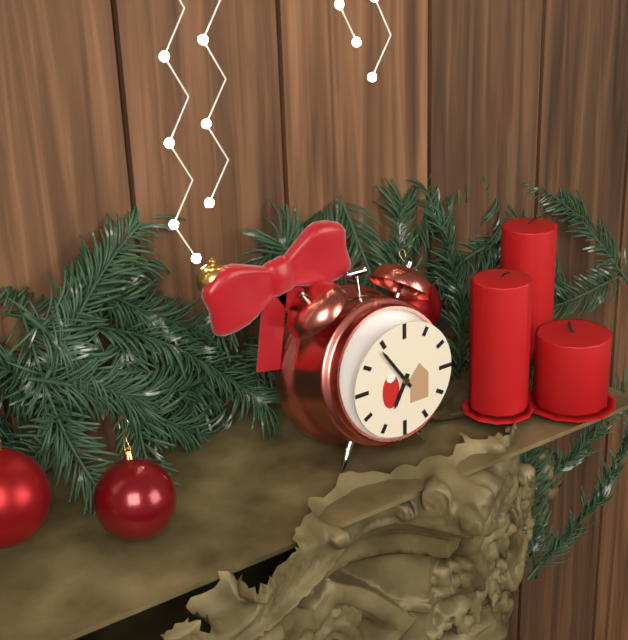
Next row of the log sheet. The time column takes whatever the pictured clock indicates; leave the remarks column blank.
6:54
